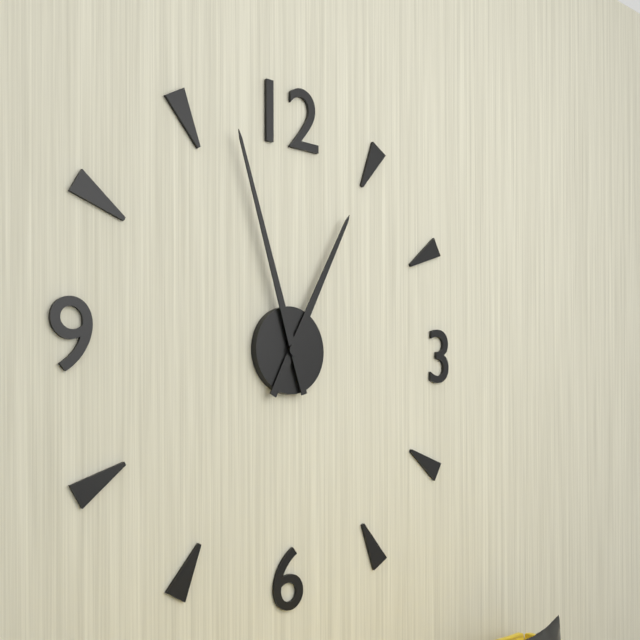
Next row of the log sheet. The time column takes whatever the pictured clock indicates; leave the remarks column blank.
12:57
